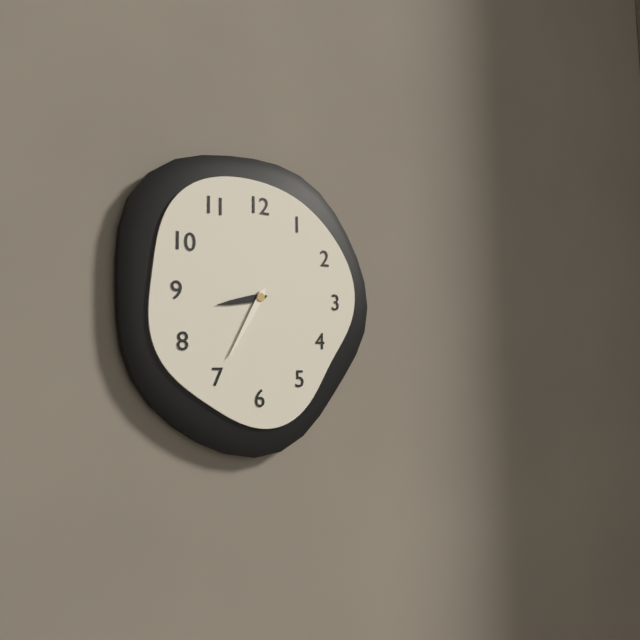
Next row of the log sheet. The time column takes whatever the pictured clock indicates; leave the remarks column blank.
8:35
